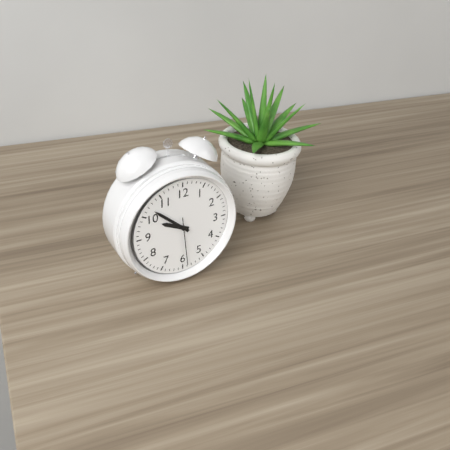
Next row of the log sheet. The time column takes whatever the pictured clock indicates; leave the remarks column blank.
9:52
